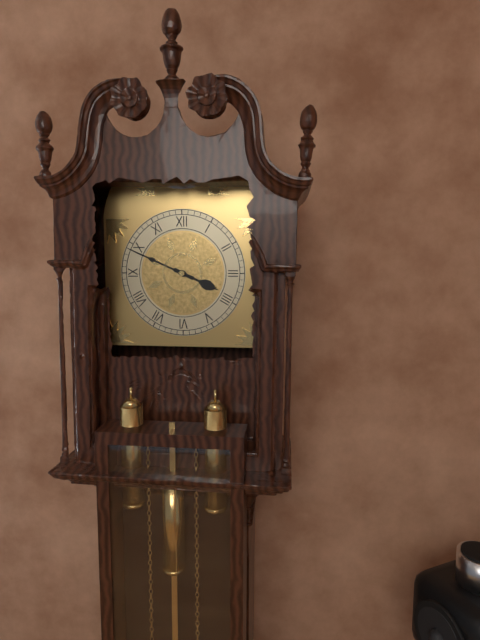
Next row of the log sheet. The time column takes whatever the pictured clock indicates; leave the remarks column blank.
3:49
